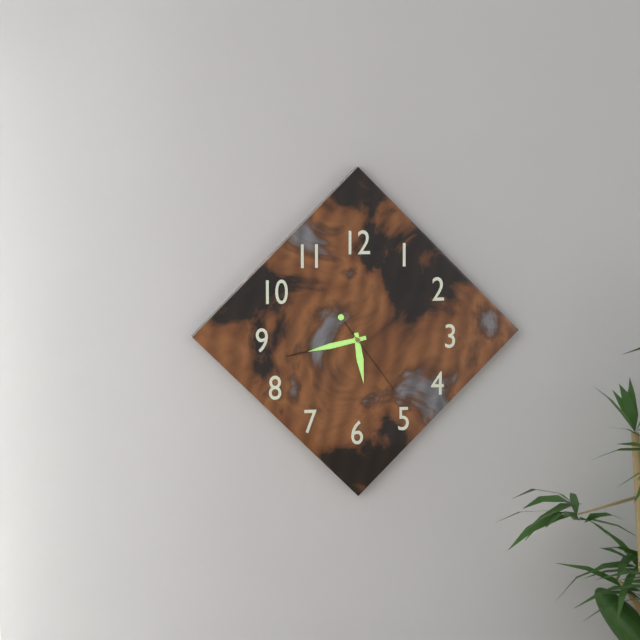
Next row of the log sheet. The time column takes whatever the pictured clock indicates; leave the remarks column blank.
5:43:24
